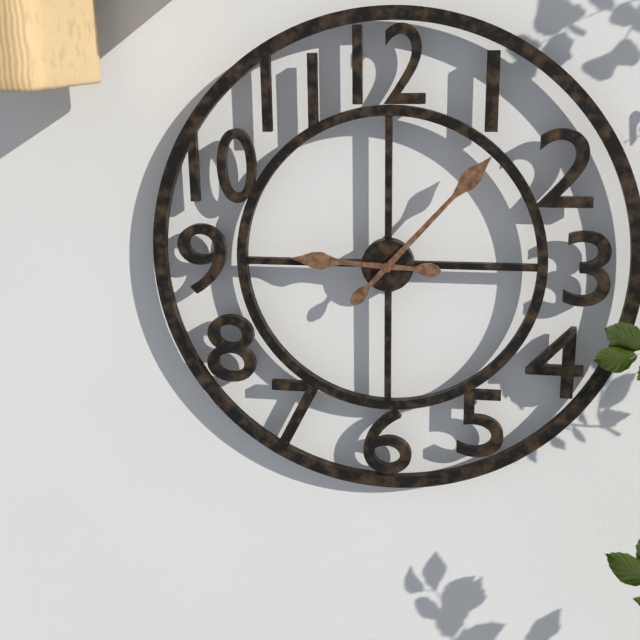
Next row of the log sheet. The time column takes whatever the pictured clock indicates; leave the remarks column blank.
9:07
